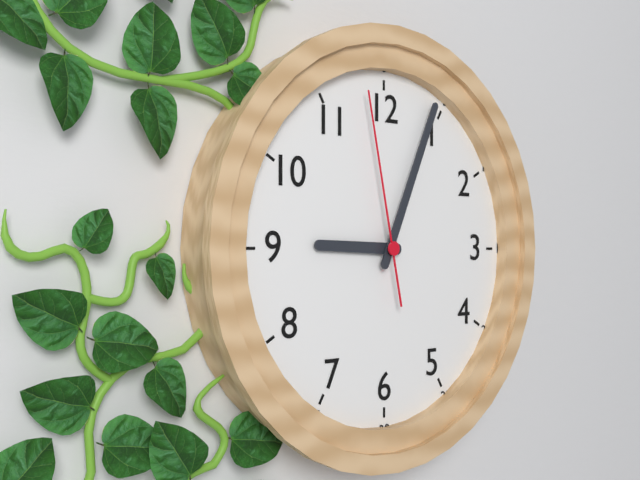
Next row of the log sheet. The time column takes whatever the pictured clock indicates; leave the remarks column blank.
9:04:58
